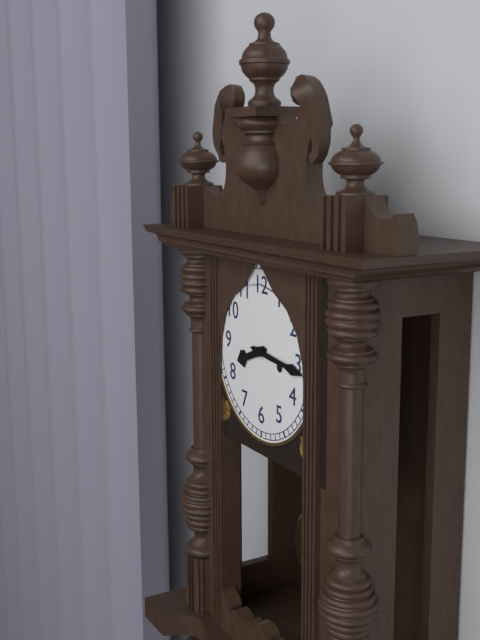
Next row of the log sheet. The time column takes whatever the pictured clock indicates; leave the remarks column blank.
8:16
